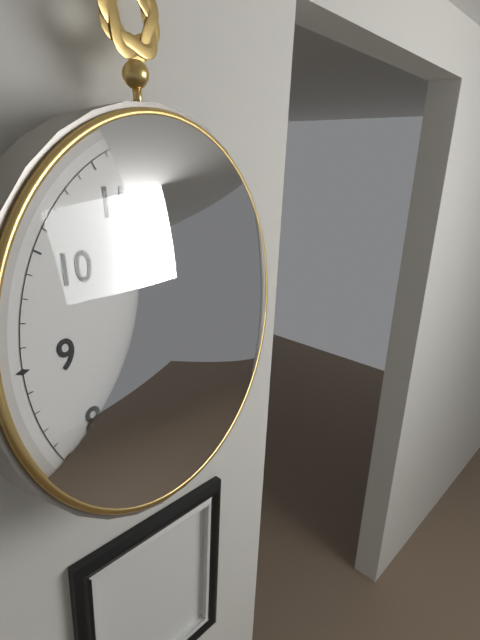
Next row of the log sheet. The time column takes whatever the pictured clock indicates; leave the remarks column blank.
2:31
